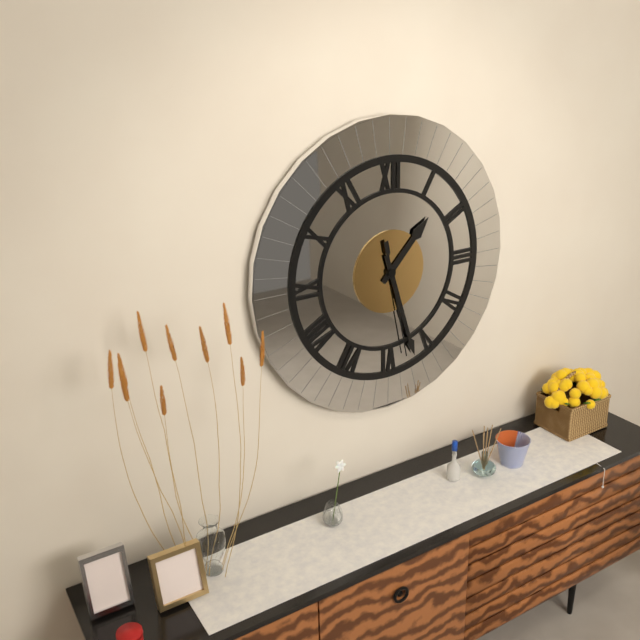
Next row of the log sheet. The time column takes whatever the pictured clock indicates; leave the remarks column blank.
1:27:28
